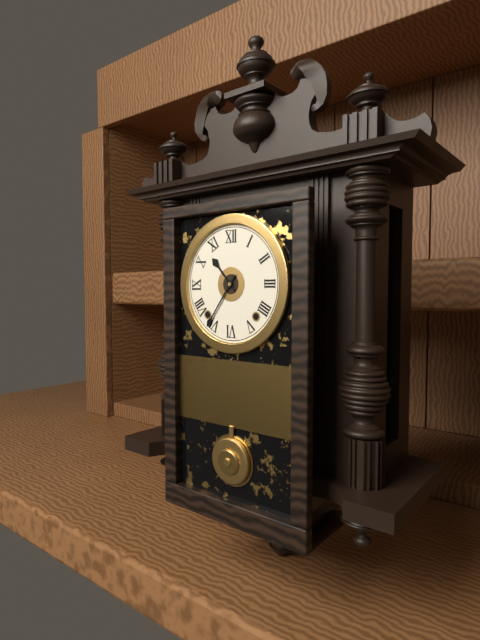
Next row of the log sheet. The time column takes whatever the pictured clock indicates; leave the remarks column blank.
10:36
